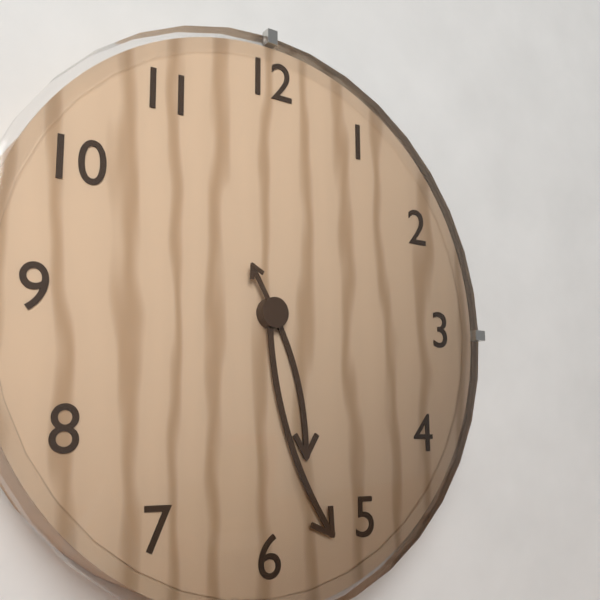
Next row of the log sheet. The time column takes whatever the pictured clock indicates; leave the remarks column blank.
5:27:55
